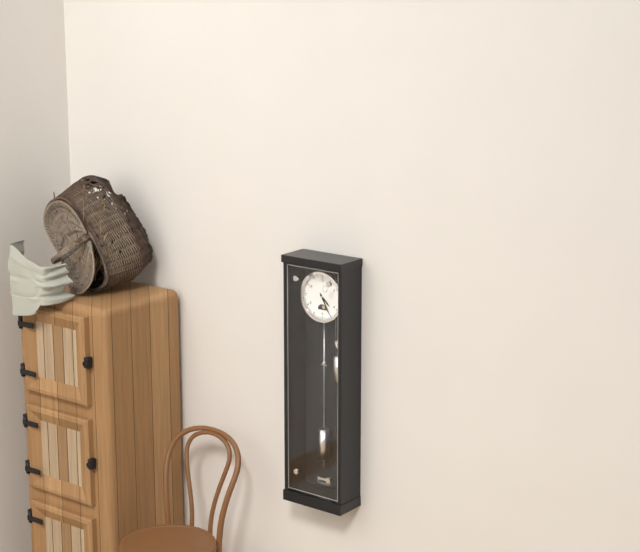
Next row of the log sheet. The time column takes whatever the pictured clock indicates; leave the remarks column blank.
4:25
